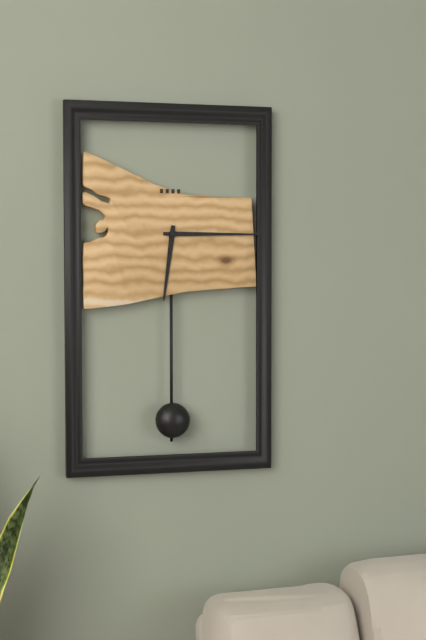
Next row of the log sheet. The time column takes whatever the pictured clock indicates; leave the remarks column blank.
6:15
